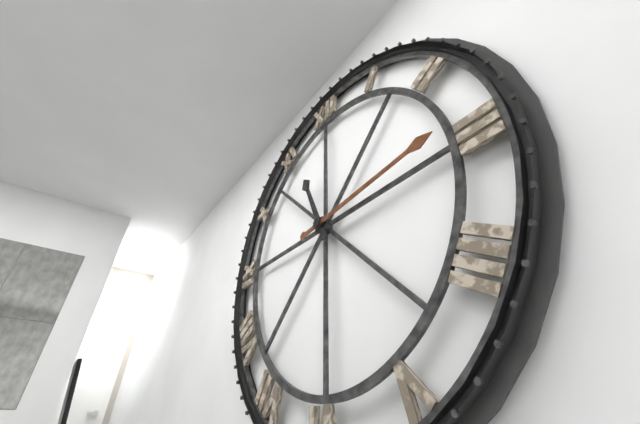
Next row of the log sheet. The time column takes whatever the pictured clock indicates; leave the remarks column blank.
11:14
